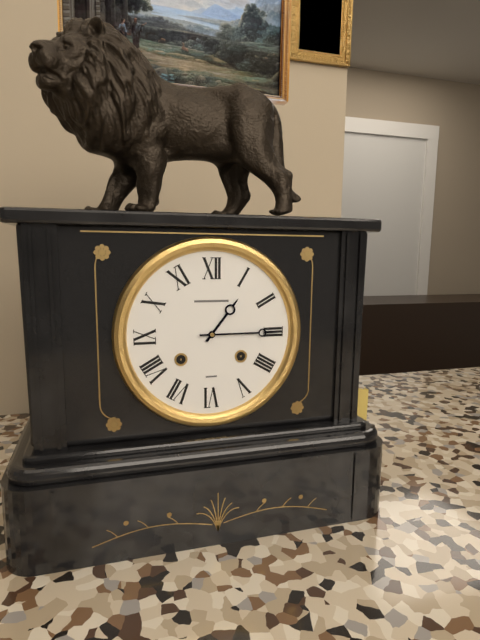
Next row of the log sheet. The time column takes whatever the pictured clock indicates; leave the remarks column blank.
1:15
